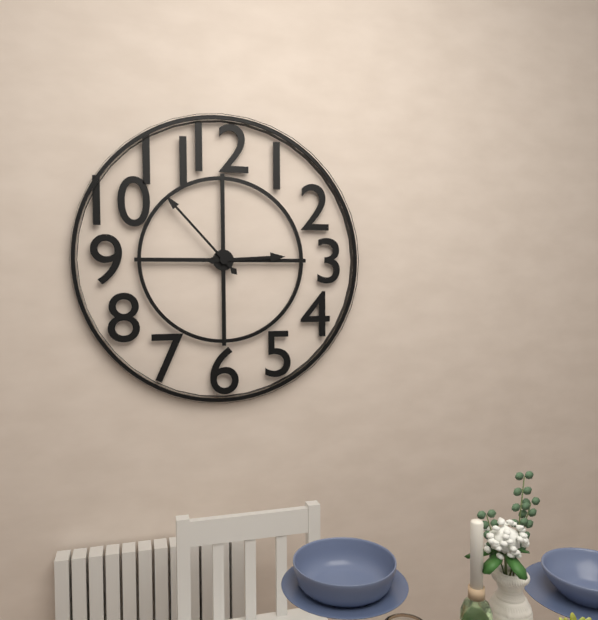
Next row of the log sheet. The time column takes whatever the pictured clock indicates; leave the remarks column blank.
2:53
